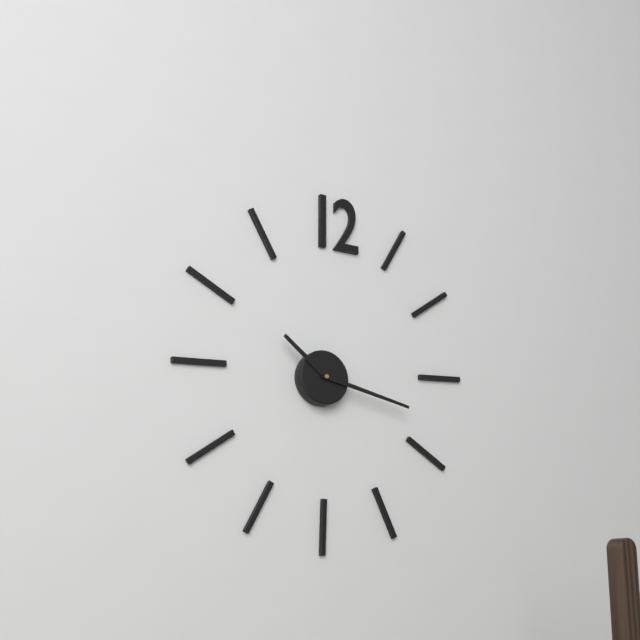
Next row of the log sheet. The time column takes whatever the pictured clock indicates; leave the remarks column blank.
10:17
